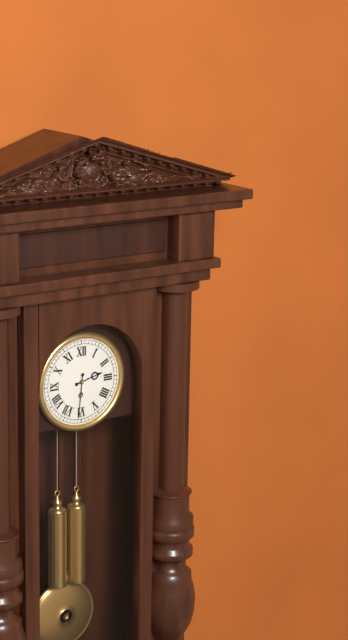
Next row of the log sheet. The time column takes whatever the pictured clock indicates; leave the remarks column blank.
2:31
